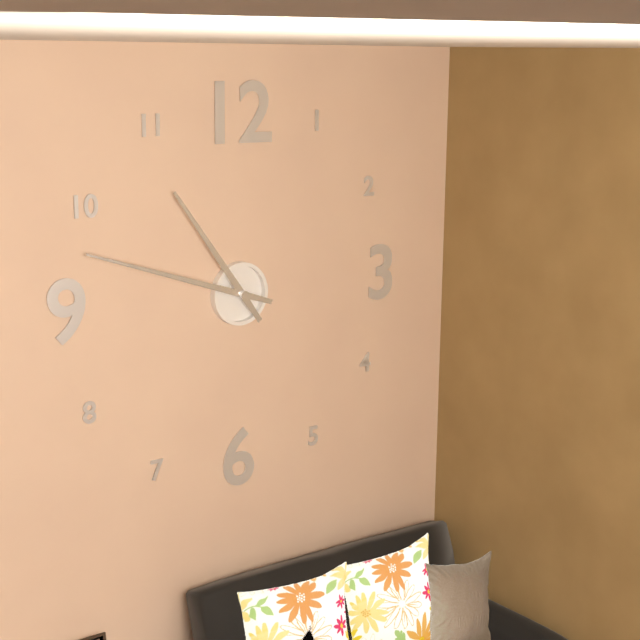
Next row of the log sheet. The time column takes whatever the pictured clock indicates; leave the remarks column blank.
10:48
